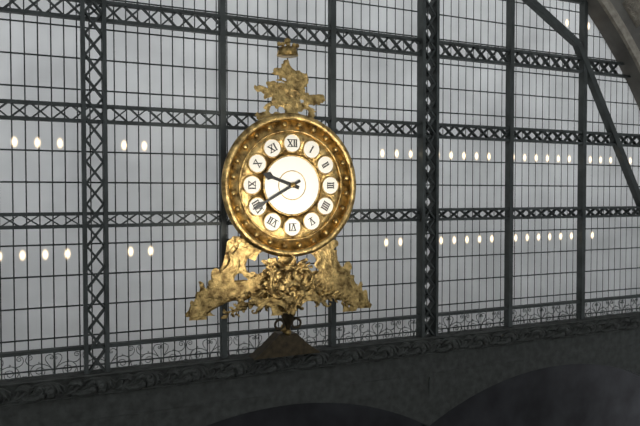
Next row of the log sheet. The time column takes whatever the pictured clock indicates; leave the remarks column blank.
9:40
